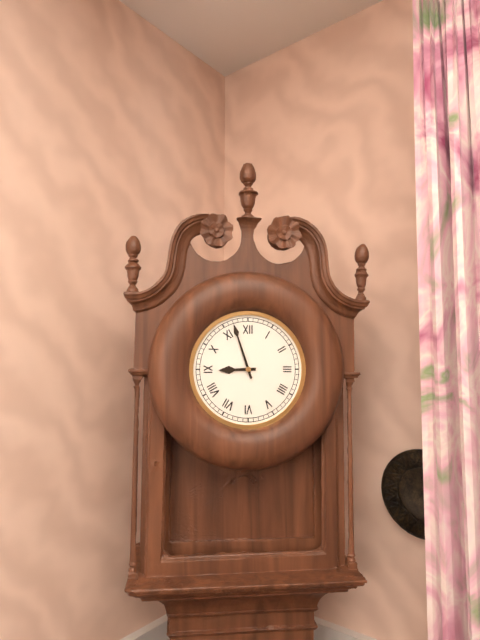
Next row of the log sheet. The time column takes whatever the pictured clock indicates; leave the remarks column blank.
8:57
